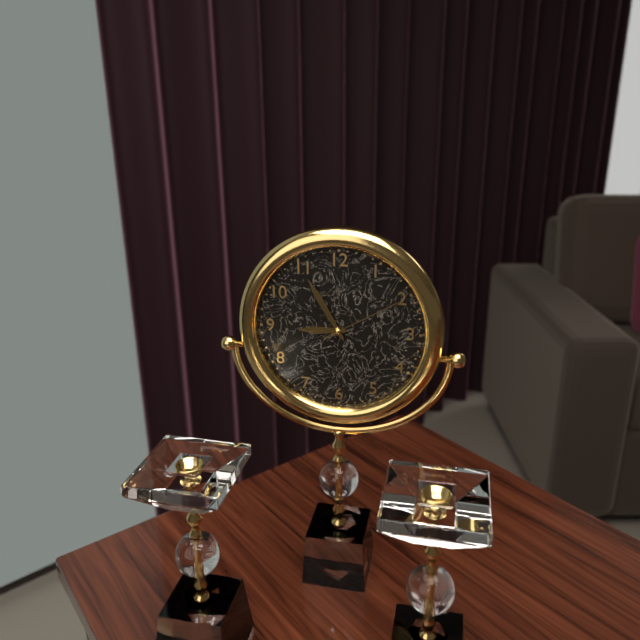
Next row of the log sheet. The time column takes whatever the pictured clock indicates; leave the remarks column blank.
8:55:10
